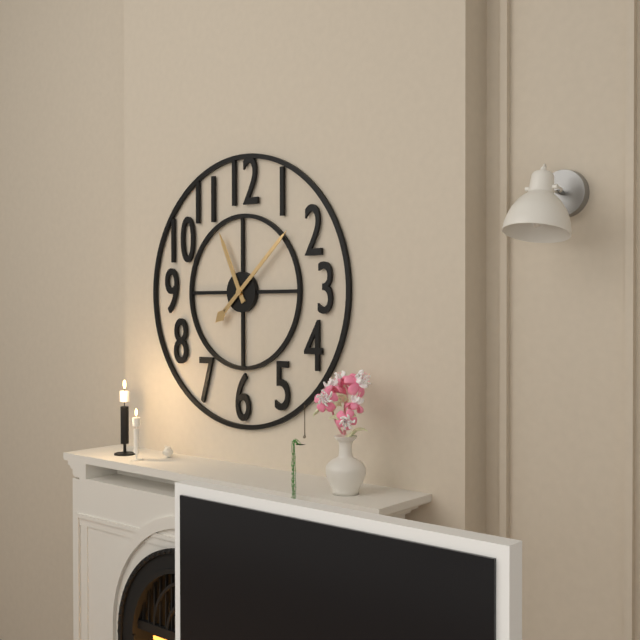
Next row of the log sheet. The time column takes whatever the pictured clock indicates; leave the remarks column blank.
11:08
